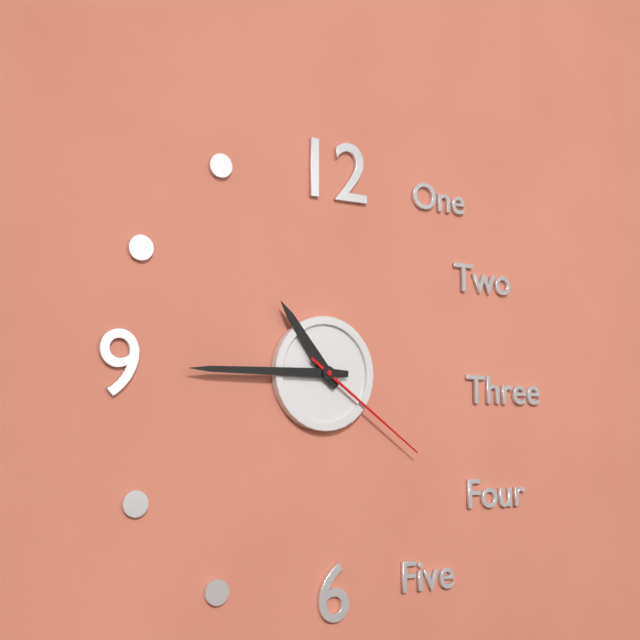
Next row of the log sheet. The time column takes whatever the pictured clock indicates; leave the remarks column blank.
10:45:21
